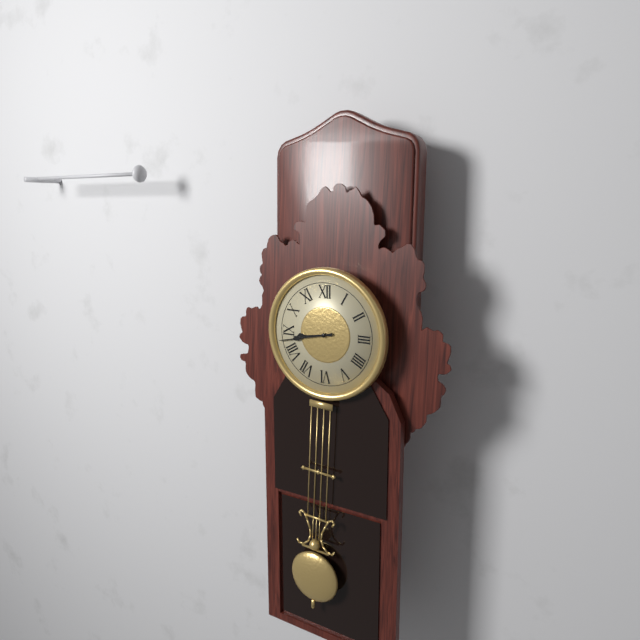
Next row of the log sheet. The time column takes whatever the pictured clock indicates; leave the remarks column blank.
8:43
